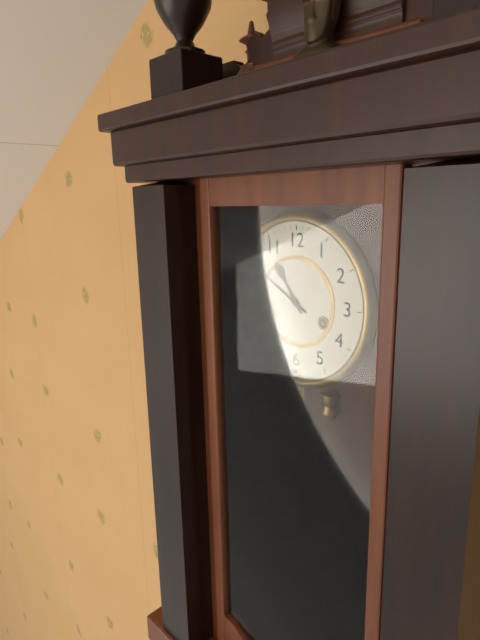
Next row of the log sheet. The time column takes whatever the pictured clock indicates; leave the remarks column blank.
10:50
